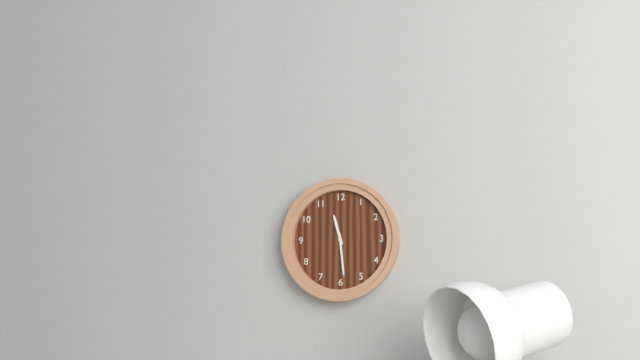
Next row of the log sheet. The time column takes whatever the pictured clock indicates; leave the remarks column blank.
11:29
